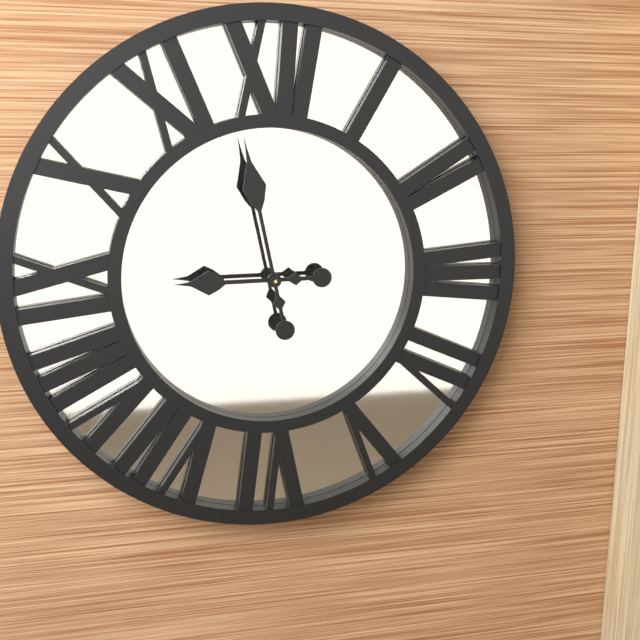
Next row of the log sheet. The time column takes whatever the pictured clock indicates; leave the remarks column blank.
8:58
